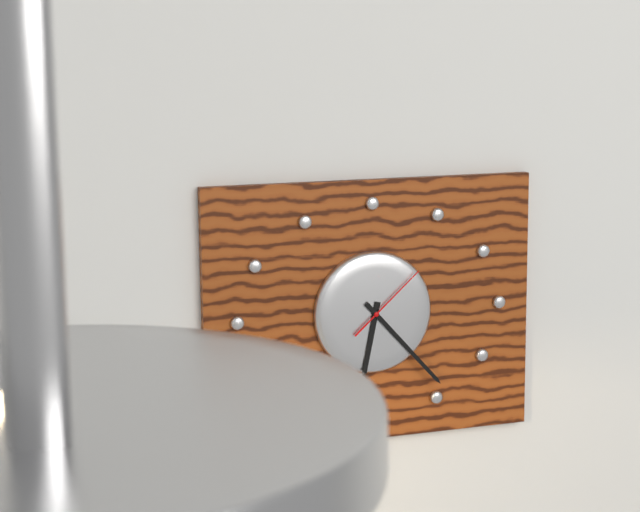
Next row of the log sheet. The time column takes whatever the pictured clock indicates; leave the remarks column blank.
6:23:08
